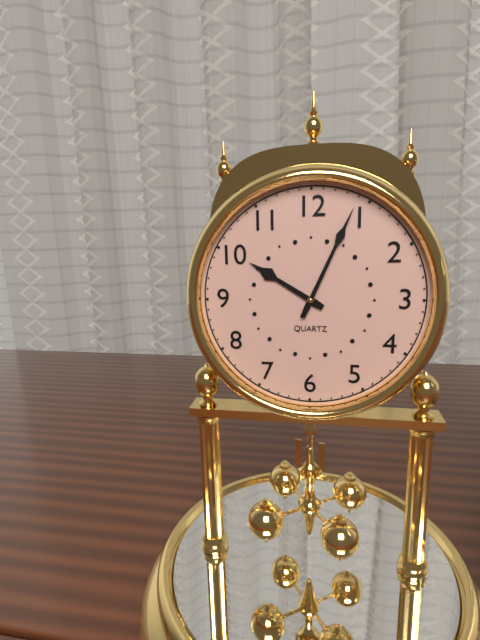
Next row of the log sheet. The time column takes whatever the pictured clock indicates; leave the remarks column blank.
10:04
